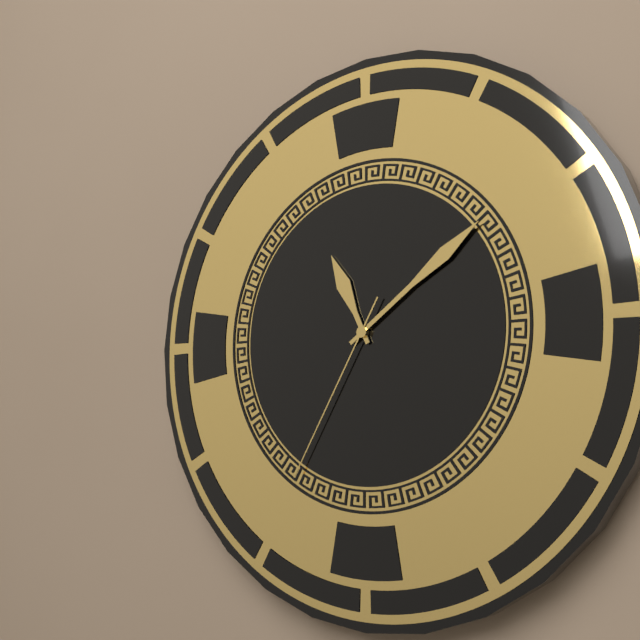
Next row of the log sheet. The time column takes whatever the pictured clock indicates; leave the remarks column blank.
11:09:35
